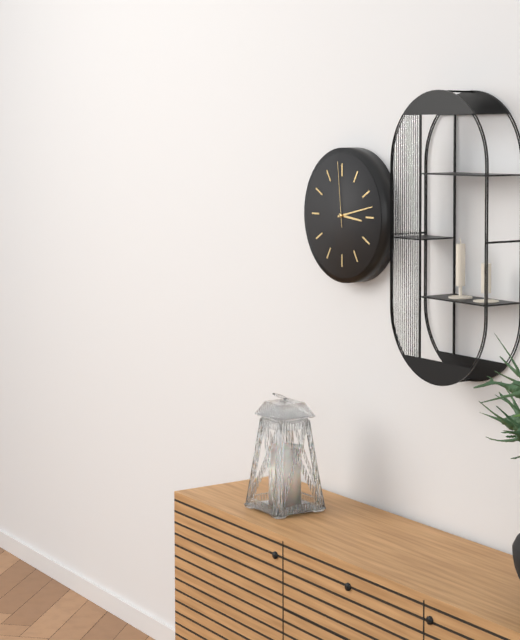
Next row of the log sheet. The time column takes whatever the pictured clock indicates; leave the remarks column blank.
3:13:59
